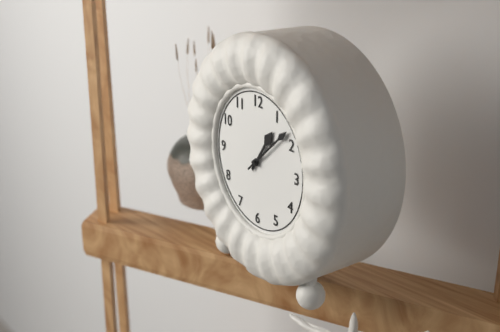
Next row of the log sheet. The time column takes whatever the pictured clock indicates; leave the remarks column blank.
1:08
